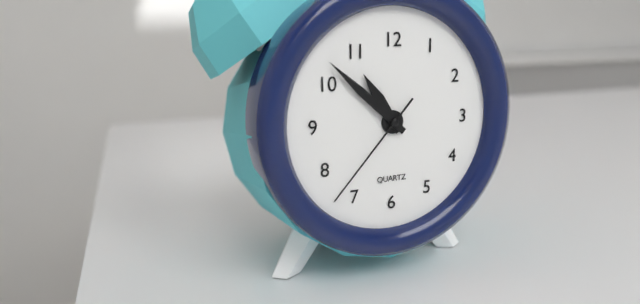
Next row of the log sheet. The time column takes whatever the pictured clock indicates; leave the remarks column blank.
10:52:37
